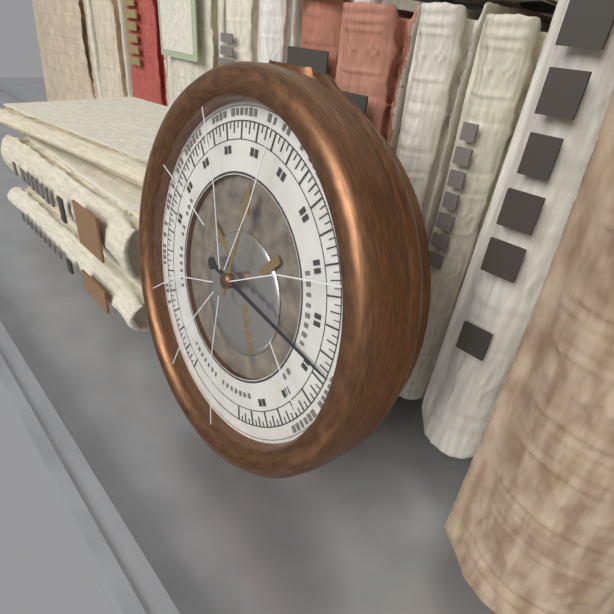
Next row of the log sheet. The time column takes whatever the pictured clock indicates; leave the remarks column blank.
12:16
